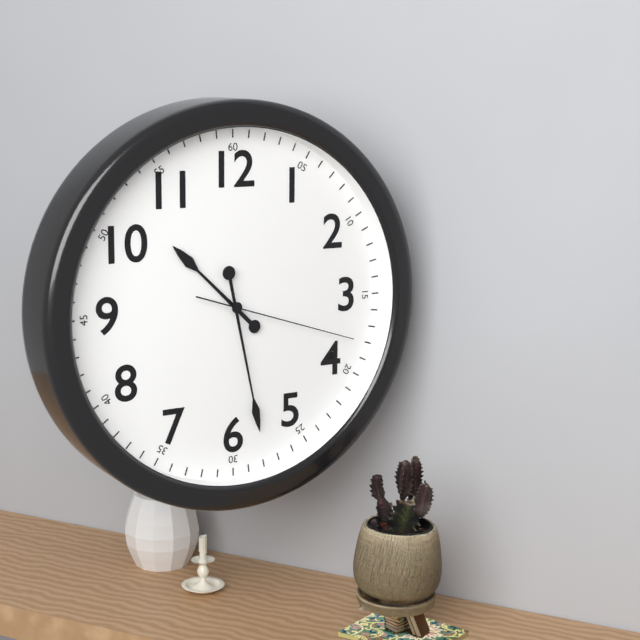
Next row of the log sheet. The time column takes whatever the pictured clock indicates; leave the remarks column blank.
10:28:18
